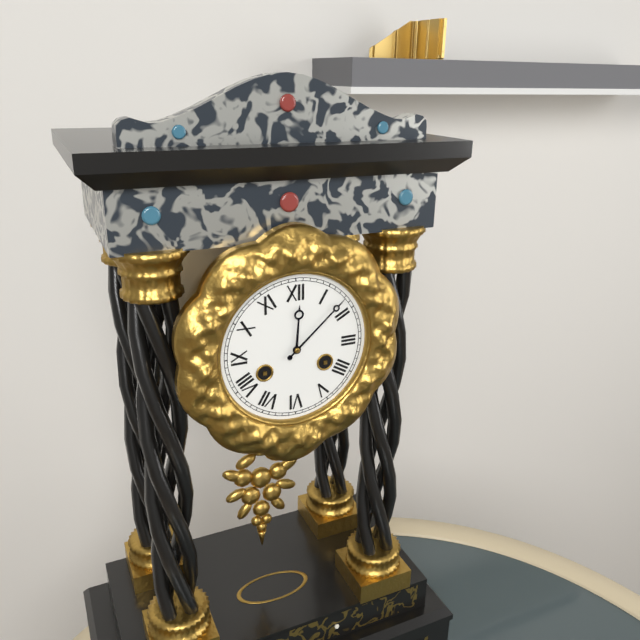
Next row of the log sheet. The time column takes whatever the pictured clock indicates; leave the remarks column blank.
12:08
